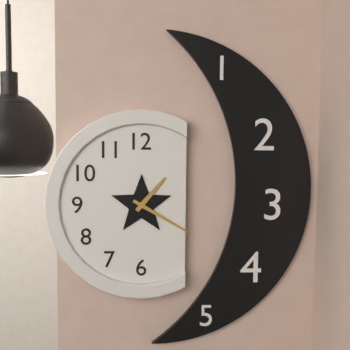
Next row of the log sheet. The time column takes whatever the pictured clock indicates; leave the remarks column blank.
1:20
